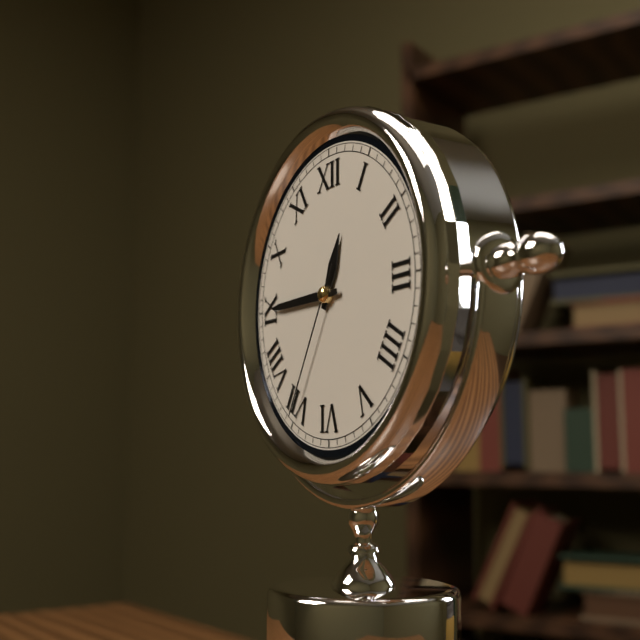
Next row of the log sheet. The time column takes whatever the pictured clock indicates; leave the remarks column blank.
12:45:35
